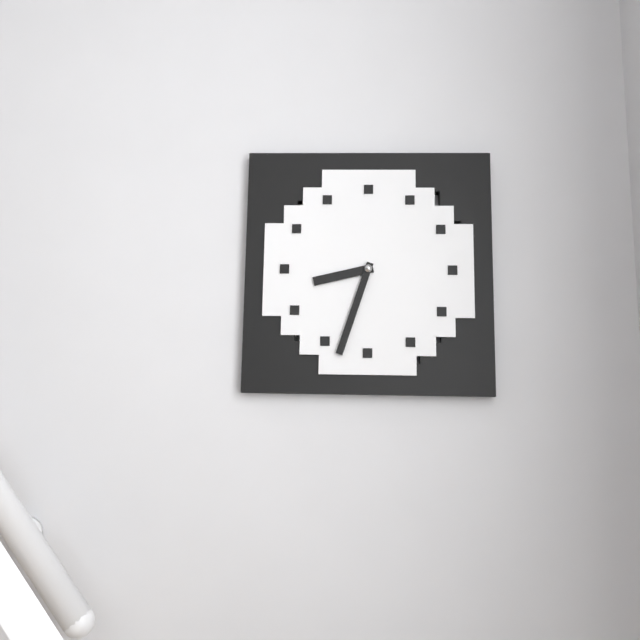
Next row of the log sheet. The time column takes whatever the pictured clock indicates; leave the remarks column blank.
8:33
